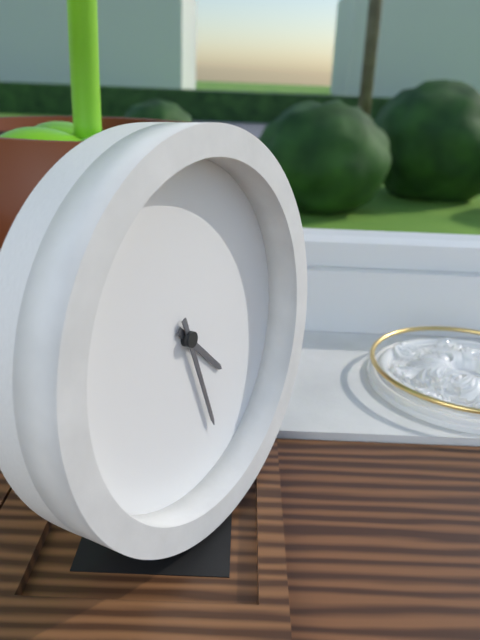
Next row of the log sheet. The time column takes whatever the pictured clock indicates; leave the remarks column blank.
4:27
